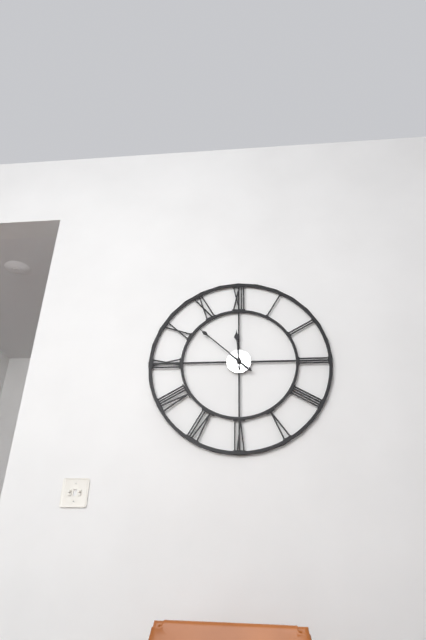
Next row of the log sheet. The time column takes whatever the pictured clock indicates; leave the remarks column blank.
11:52
